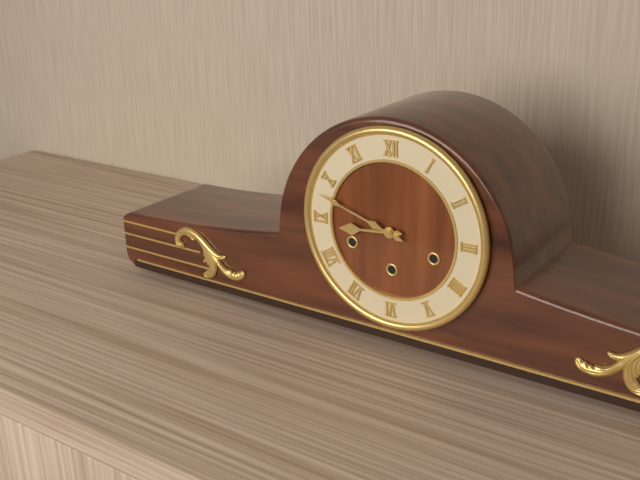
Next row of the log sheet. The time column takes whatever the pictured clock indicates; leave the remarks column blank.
8:48
